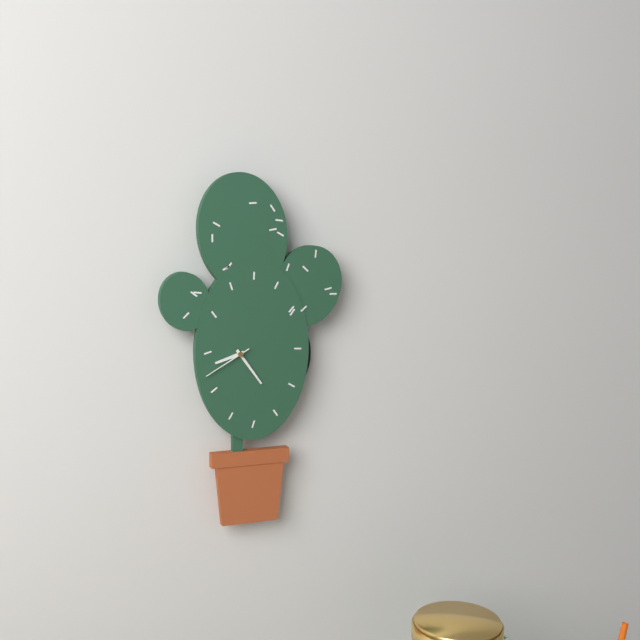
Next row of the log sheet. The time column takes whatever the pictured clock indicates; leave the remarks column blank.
8:24:40
